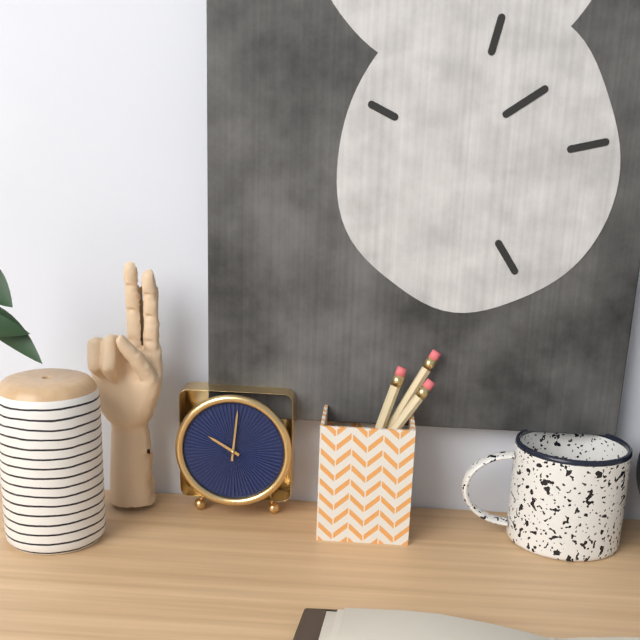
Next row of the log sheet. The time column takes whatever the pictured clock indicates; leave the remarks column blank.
10:01
